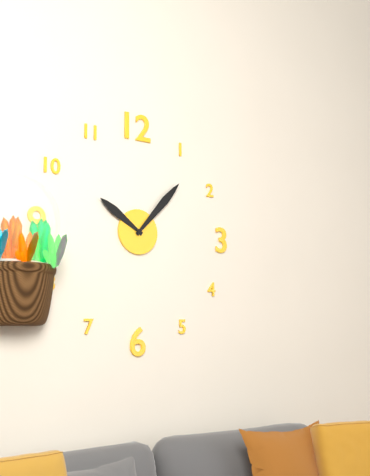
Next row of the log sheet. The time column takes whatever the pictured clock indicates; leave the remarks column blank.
10:07
